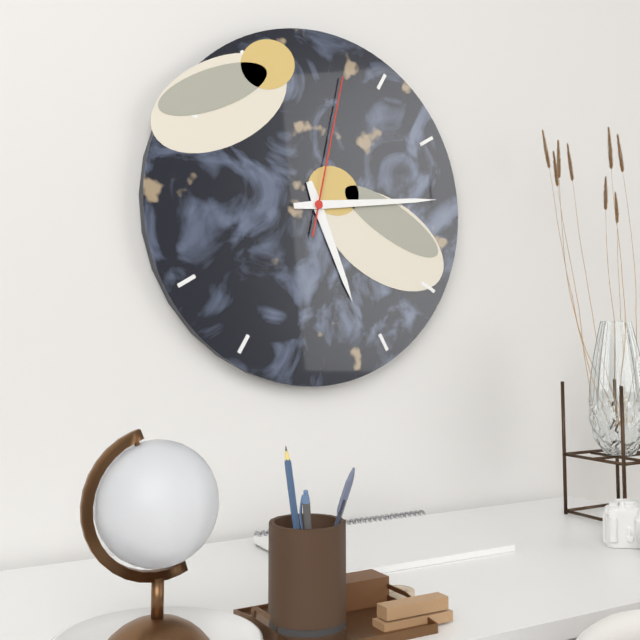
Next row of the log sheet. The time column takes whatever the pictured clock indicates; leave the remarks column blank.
5:14:02
